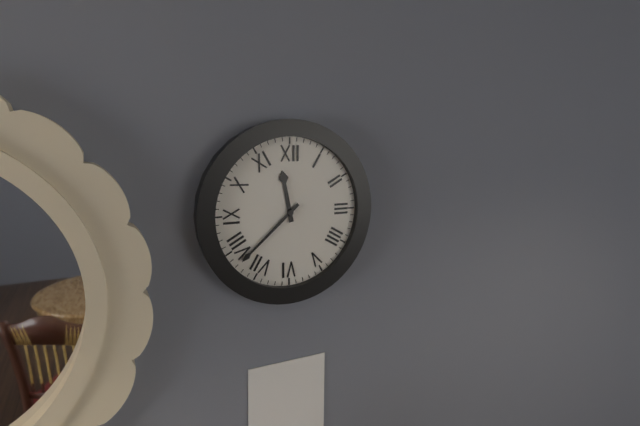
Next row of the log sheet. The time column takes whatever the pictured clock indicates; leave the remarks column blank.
11:38
